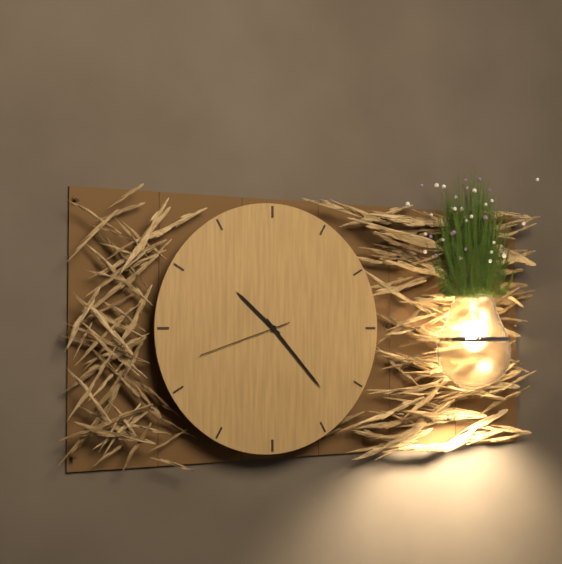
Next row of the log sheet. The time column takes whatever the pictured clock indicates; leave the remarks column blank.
10:23:42
